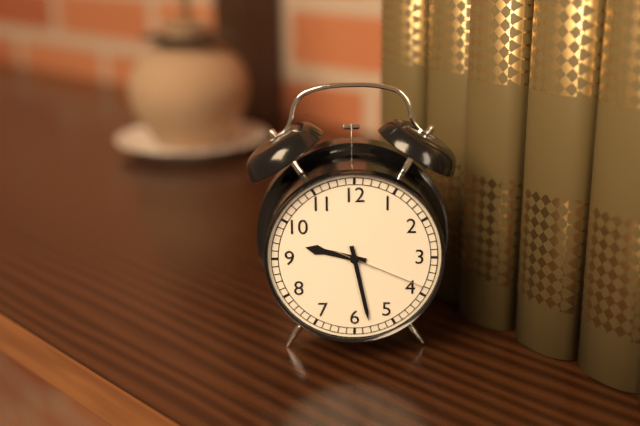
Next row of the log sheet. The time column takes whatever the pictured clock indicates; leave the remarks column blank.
9:28:19
